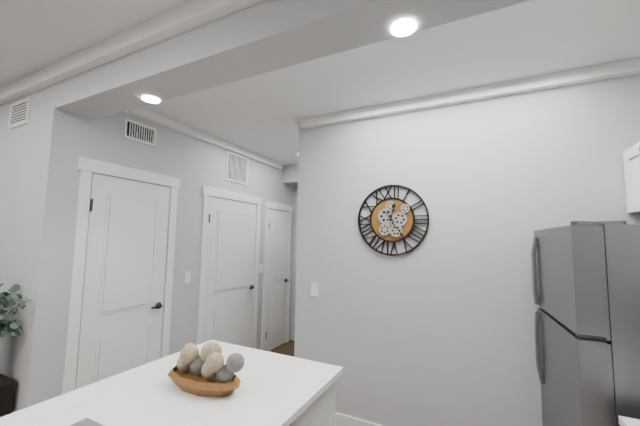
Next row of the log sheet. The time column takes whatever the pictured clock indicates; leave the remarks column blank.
12:24
